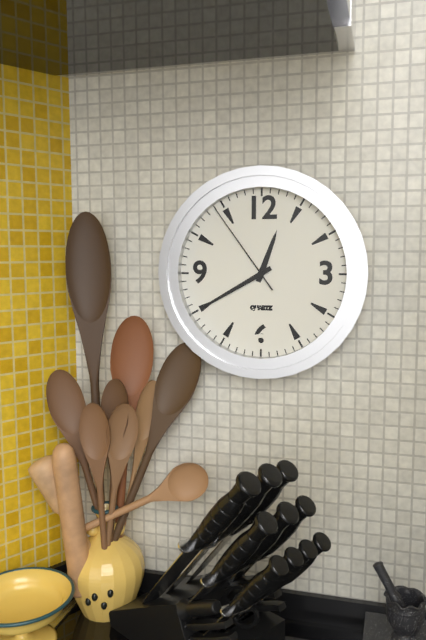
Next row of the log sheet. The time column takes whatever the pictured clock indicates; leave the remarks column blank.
12:40:54
